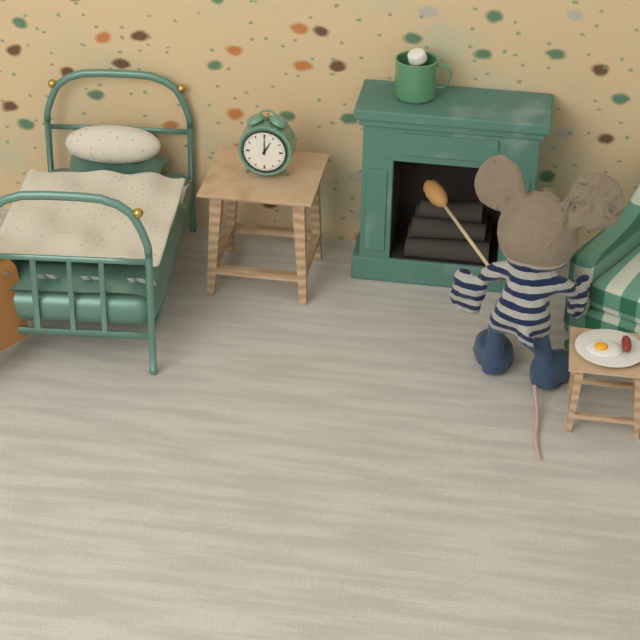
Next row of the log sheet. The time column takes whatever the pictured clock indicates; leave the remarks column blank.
1:00
